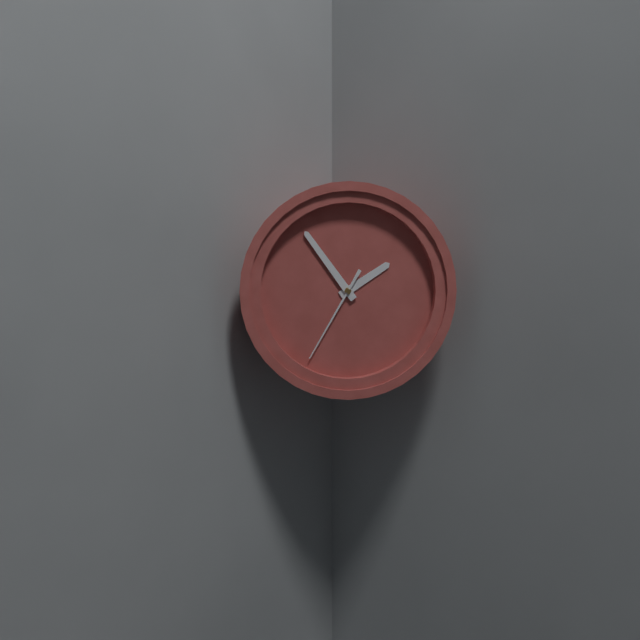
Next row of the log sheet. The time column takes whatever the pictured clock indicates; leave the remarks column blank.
1:54:35
